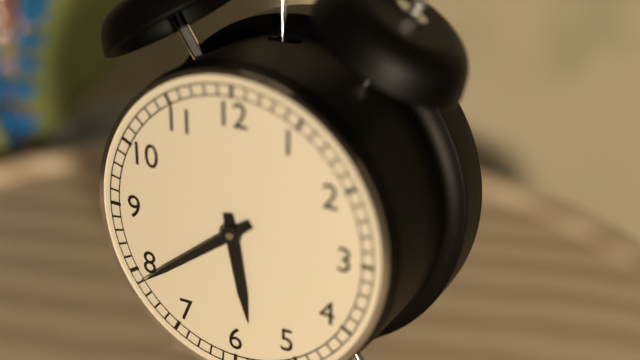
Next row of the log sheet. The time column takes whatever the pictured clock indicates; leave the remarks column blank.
5:39
